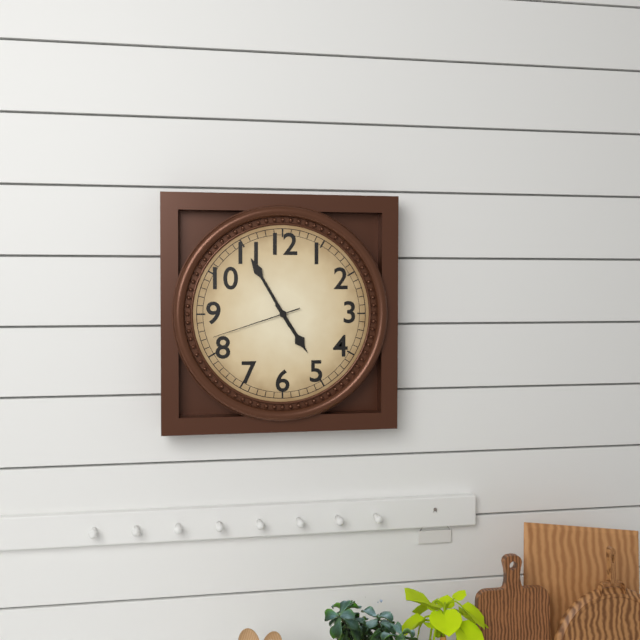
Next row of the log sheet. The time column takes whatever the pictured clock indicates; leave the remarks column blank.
4:55:42
